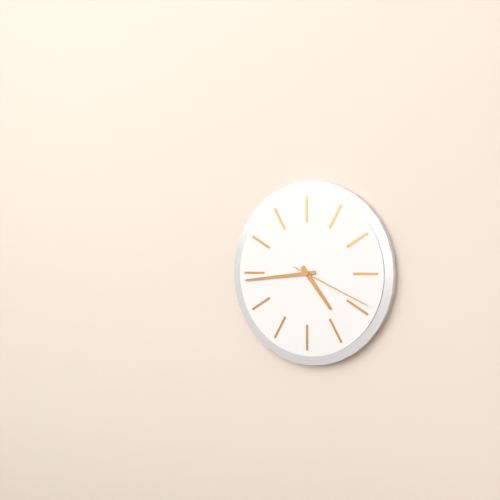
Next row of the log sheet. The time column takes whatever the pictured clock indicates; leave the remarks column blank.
4:44:19
